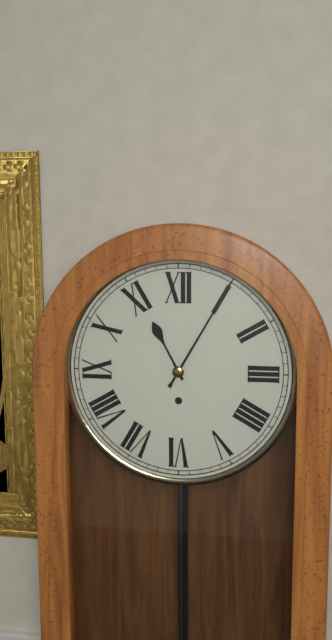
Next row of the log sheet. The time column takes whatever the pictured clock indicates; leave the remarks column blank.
11:05
